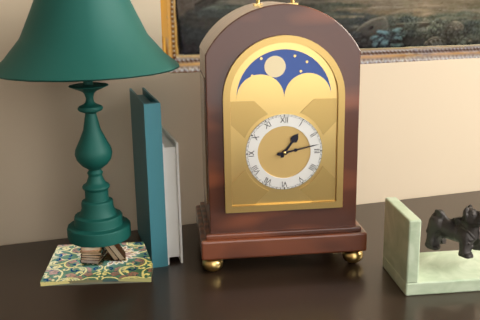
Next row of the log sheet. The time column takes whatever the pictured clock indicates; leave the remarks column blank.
1:13
